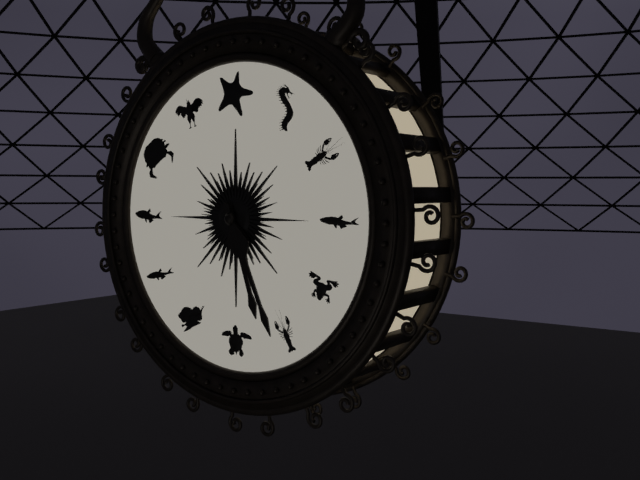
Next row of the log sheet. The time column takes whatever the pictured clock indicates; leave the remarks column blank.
5:26
